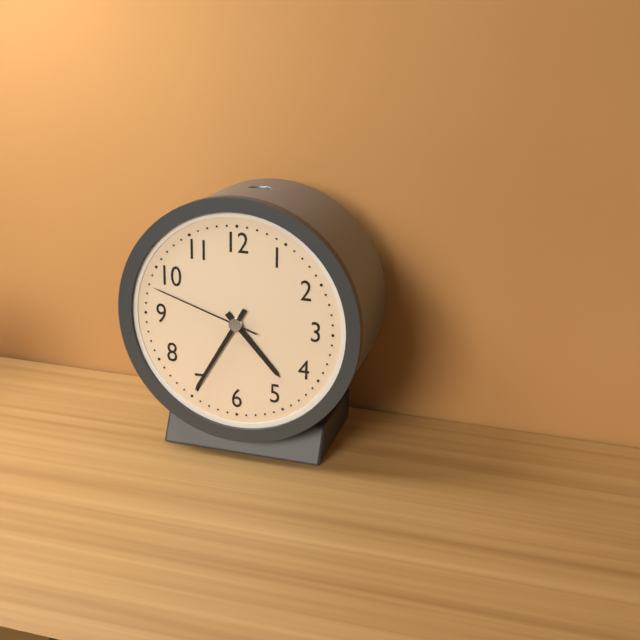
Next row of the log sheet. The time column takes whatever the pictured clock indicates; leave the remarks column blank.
4:35:48
